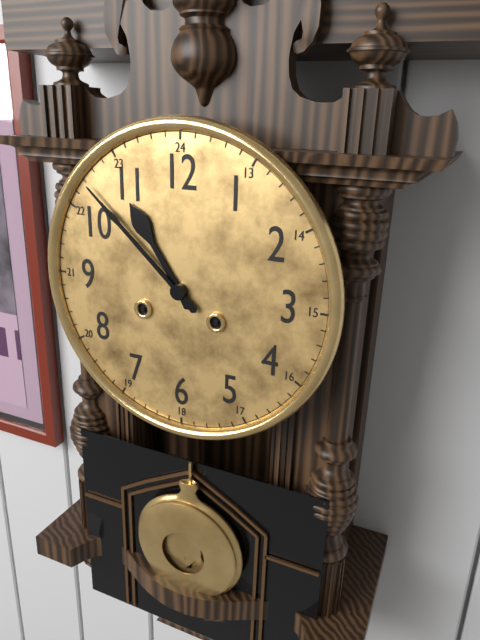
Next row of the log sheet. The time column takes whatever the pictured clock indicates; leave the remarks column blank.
10:52
